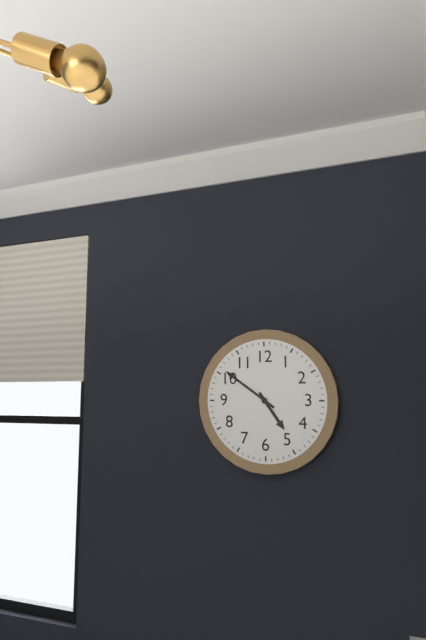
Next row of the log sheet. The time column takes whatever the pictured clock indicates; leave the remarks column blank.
4:51
